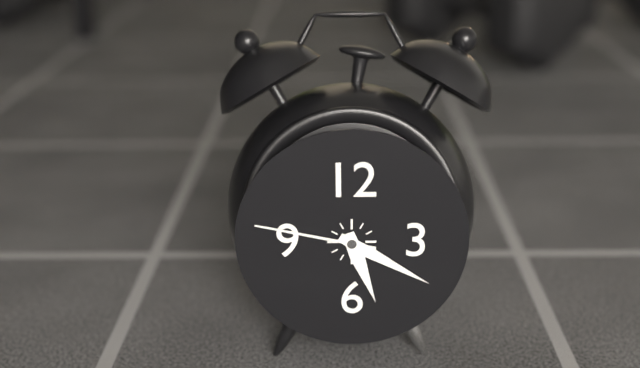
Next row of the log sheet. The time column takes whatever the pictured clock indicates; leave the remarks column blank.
5:20:47
